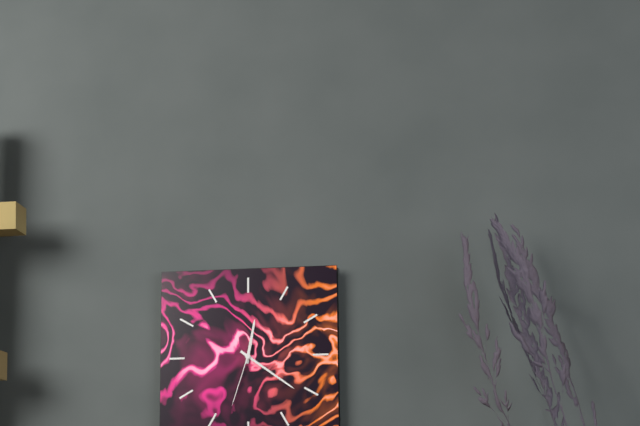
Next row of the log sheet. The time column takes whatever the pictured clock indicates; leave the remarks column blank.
12:21:33
